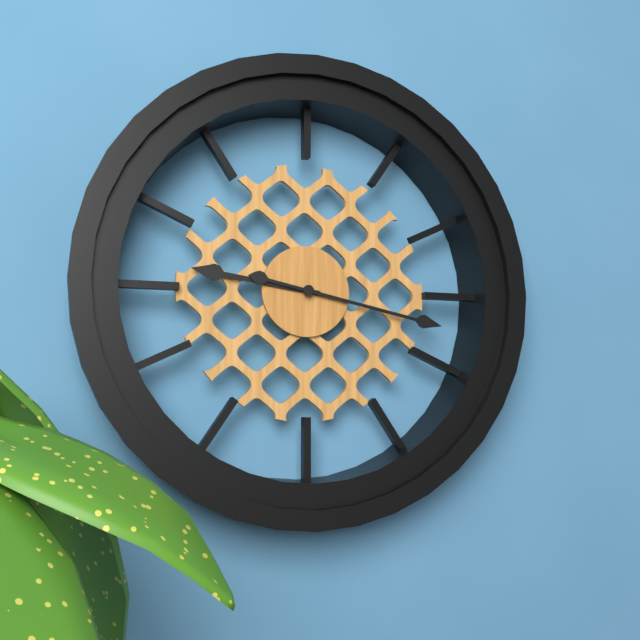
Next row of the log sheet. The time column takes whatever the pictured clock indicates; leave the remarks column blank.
9:17
